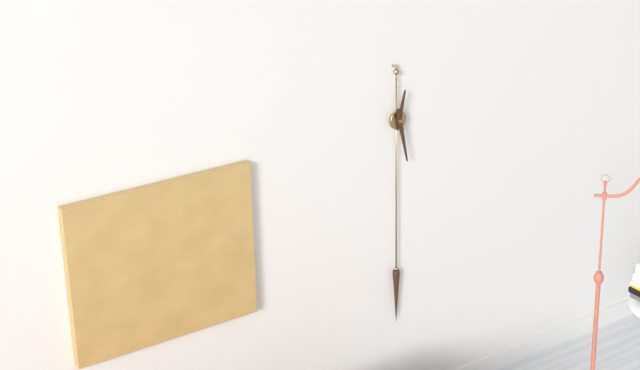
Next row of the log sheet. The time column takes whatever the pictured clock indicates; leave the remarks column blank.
12:28
